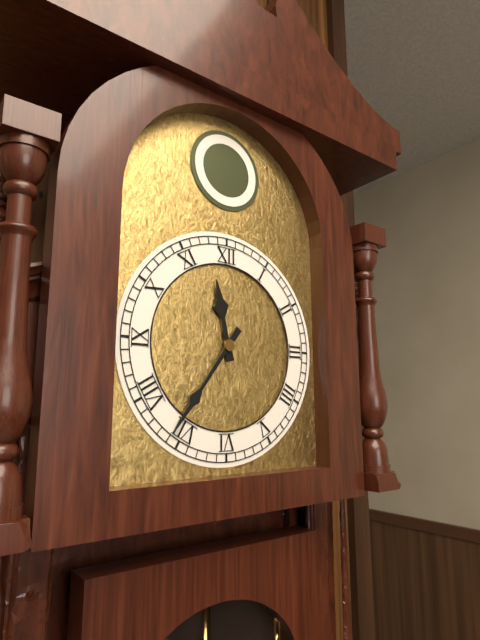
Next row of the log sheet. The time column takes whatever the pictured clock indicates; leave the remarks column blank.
11:36
